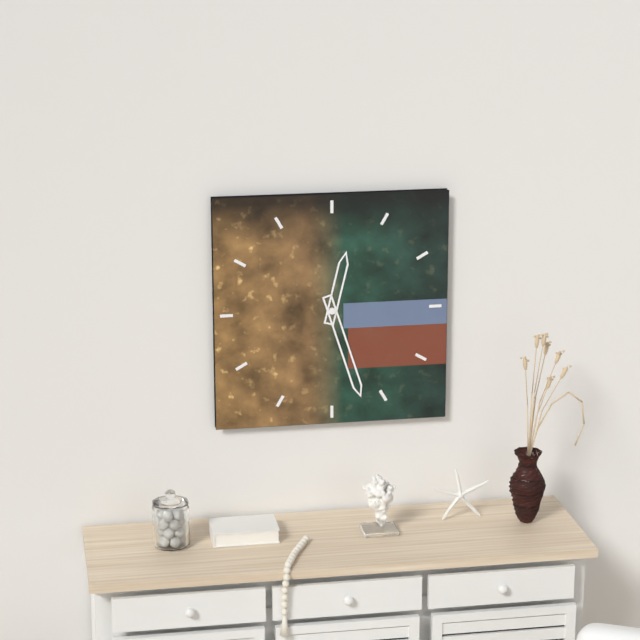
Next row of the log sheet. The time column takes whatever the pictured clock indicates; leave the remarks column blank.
12:27
